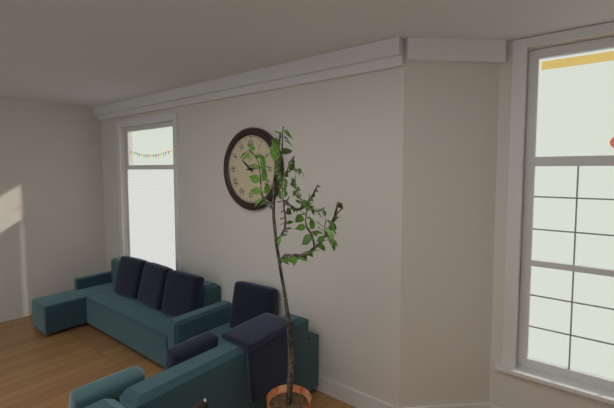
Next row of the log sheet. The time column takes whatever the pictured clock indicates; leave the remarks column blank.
10:14
